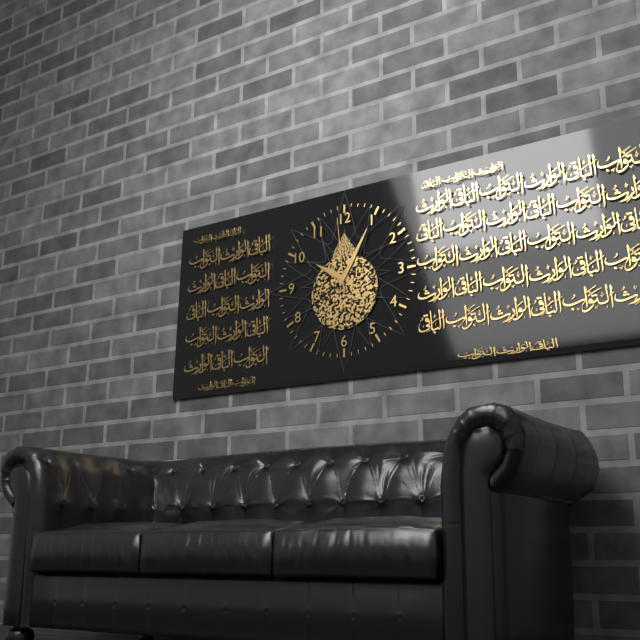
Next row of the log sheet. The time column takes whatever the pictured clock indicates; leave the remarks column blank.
10:05:59
